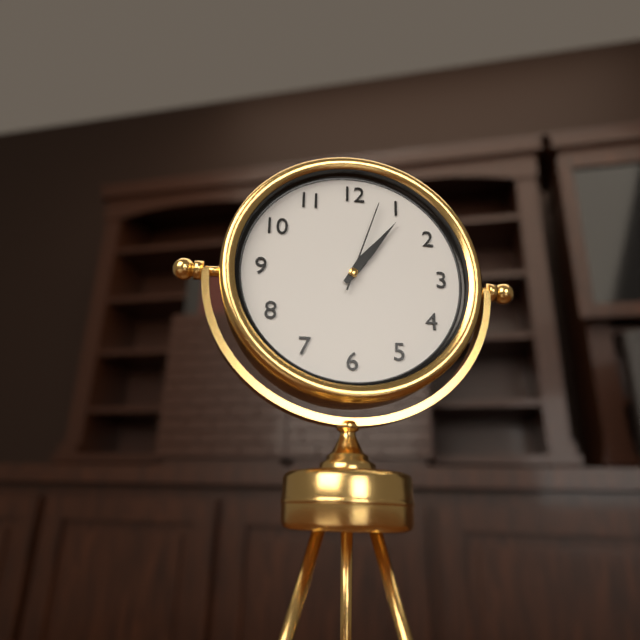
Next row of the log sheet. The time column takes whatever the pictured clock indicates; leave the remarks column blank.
1:06:03
